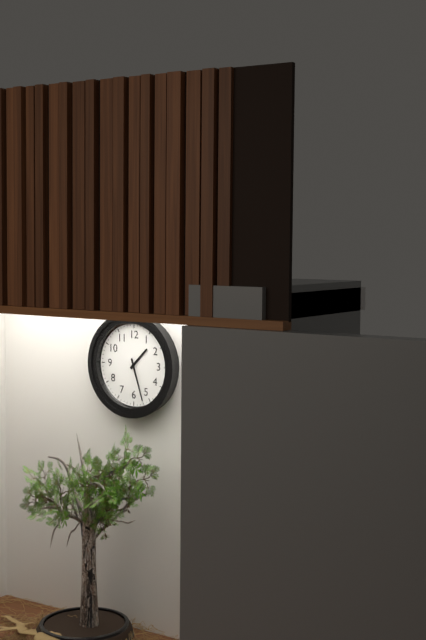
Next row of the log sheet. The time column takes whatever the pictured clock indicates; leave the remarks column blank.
1:27
